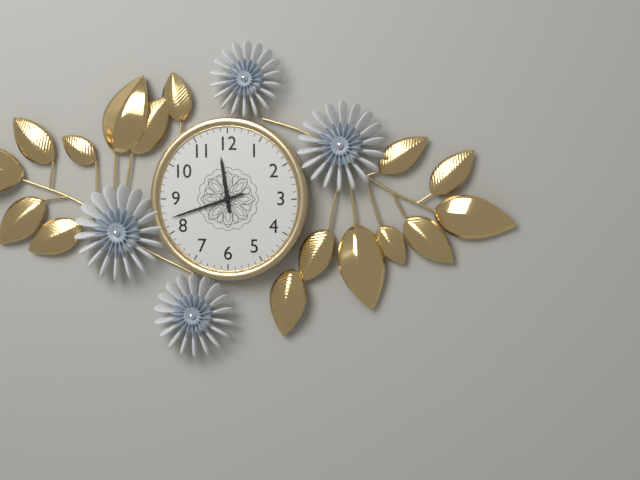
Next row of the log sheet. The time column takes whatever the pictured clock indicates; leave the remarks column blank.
11:42
